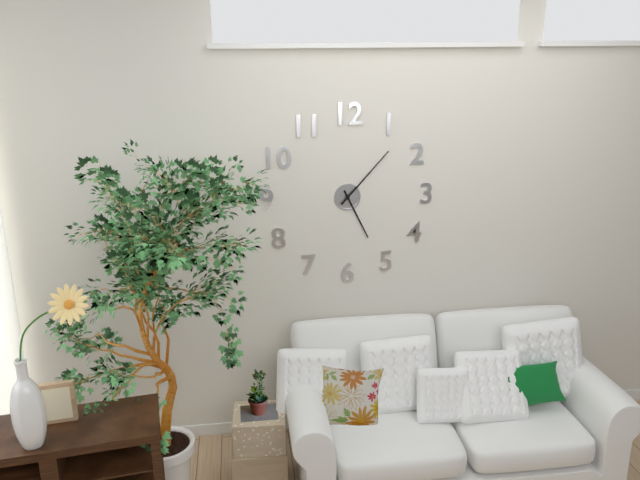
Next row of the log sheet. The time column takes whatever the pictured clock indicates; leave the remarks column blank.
5:07
